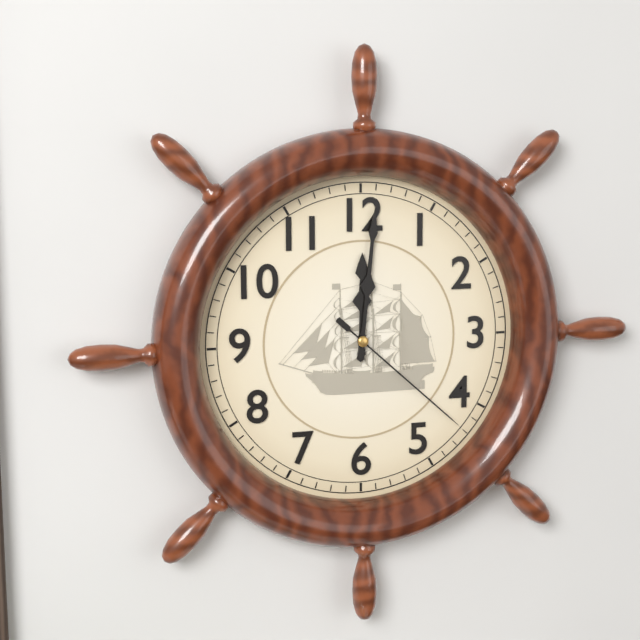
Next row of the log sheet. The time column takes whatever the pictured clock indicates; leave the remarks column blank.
12:01:22
